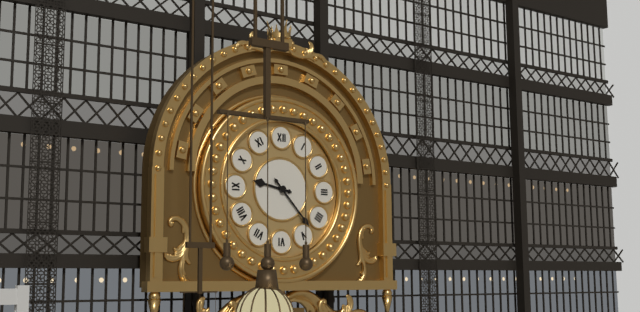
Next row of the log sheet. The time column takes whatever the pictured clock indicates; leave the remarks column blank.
9:23
